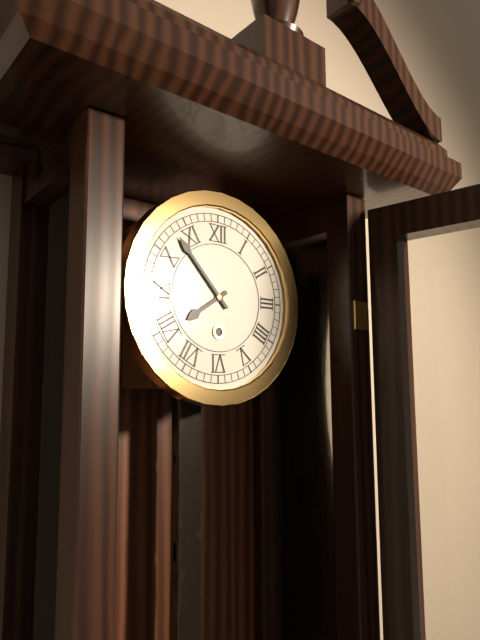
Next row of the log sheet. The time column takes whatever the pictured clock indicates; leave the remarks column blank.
7:53
